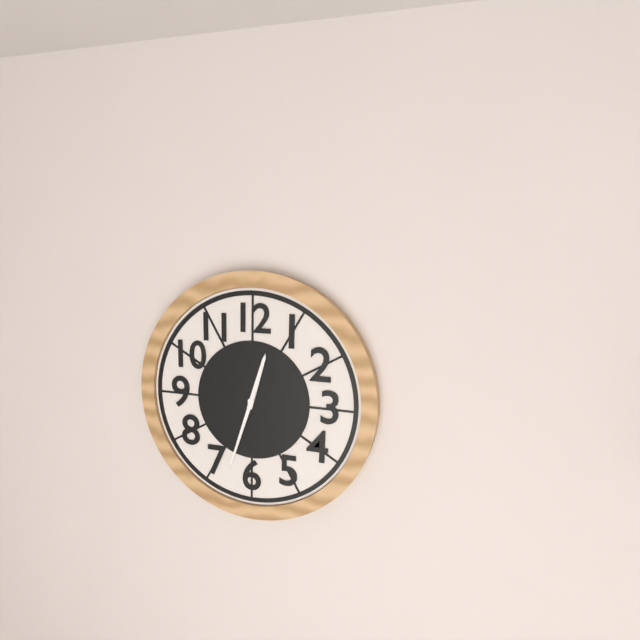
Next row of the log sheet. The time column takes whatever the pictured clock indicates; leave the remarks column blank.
12:33
